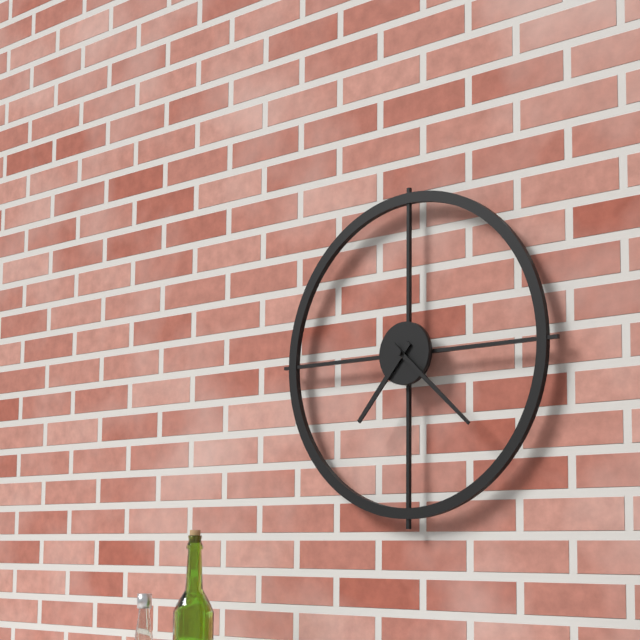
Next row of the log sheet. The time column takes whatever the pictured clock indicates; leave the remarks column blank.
7:22
